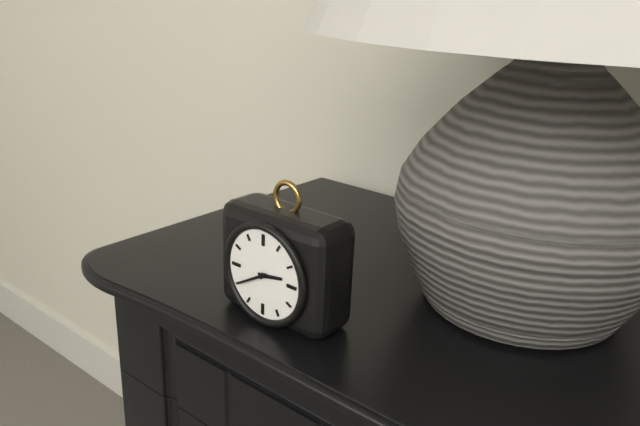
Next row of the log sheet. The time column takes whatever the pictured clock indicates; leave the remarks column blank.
2:40
